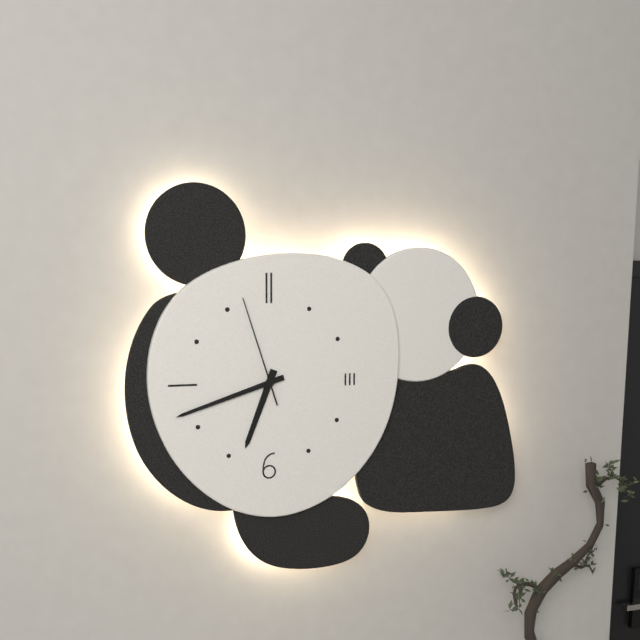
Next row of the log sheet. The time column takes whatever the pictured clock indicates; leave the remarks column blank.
6:42:57
